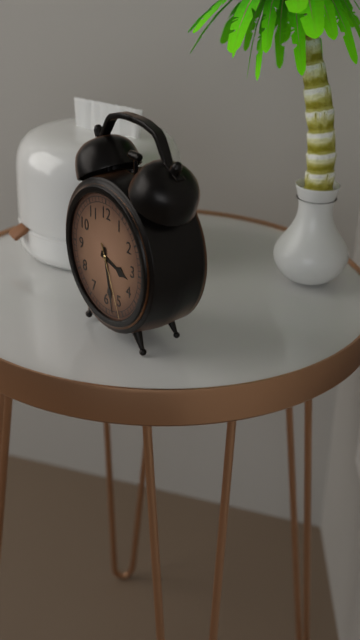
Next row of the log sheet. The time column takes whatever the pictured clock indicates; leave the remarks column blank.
3:28:26
